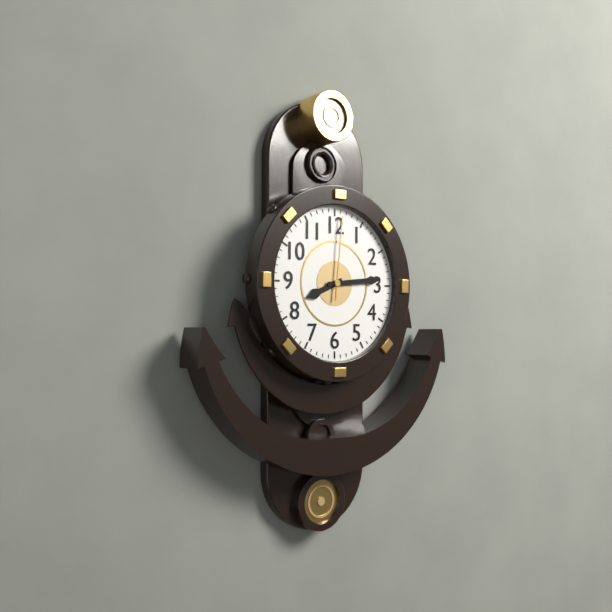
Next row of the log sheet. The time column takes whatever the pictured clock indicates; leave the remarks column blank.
8:14:01
